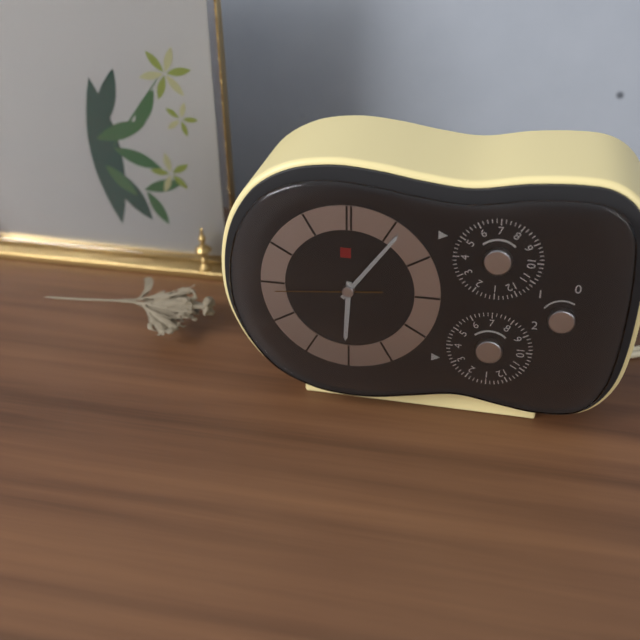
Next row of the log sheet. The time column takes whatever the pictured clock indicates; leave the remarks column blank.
6:06:44
